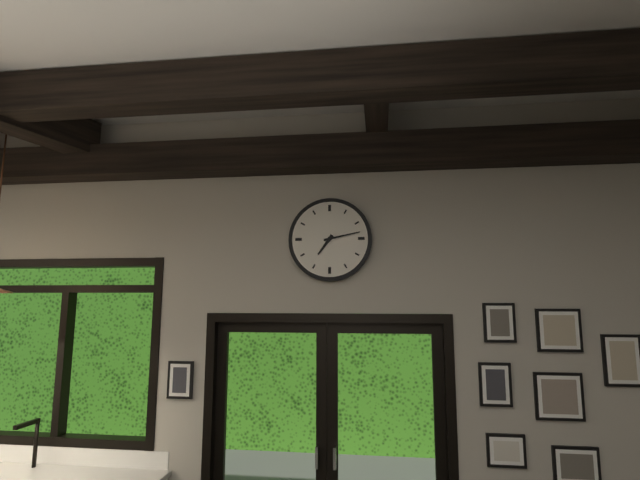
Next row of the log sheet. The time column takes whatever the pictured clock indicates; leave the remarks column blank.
7:13
